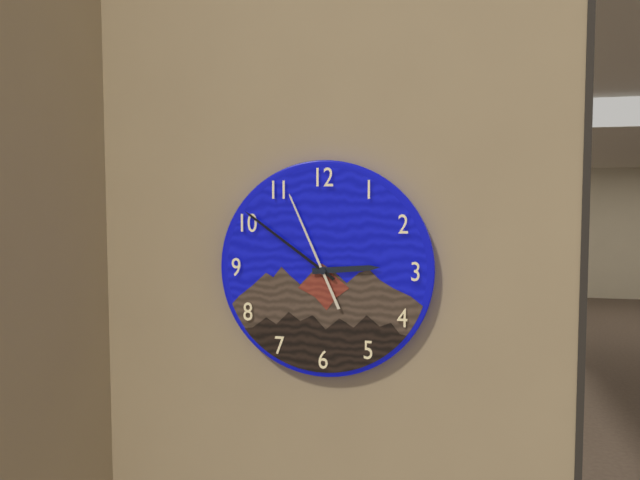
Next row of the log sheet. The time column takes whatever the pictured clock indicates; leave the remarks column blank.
2:51:56
